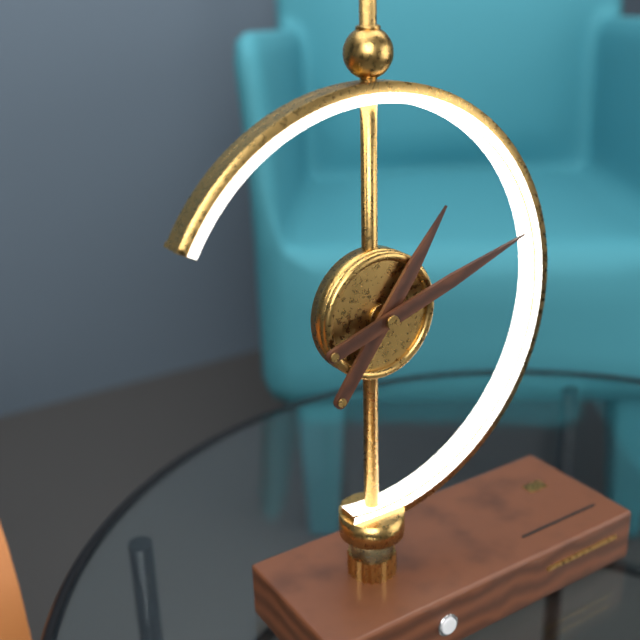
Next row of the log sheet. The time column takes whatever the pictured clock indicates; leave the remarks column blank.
1:12
